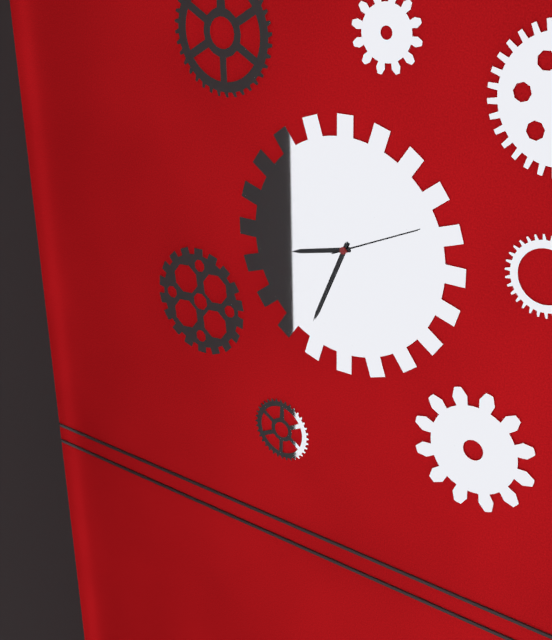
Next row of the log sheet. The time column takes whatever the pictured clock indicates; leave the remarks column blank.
8:34:11
